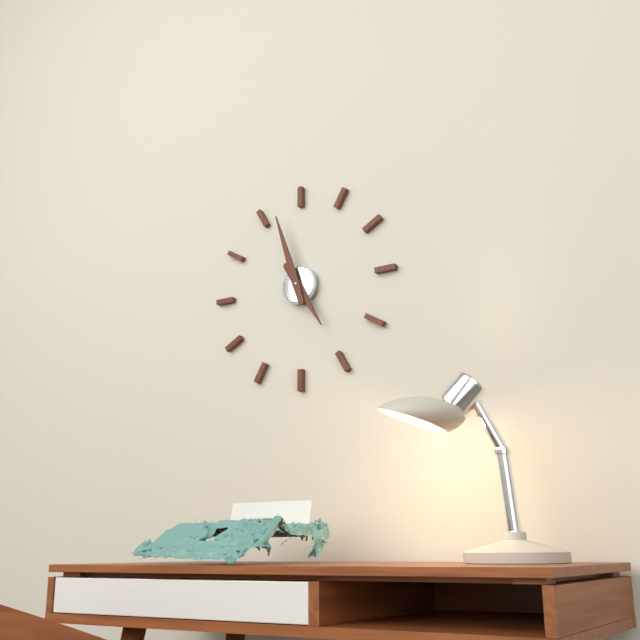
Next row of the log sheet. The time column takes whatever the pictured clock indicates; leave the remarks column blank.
4:57
